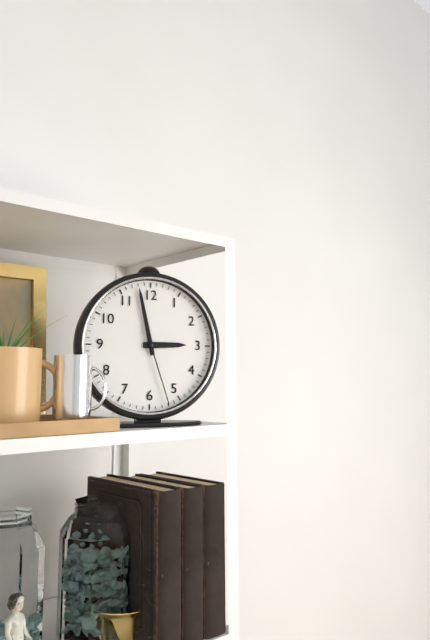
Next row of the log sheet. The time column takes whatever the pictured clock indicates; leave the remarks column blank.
2:58:27
